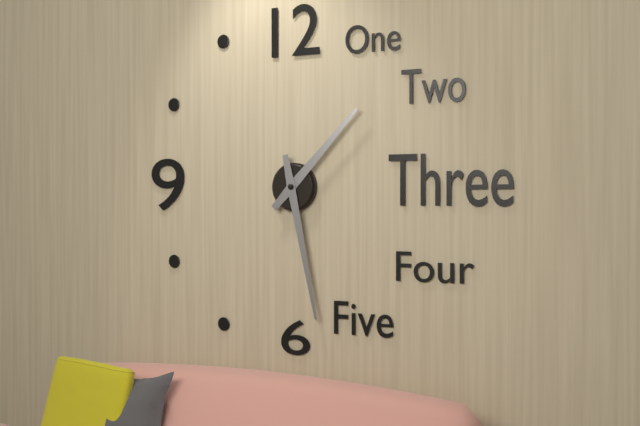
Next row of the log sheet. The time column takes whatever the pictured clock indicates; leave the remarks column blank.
1:28
